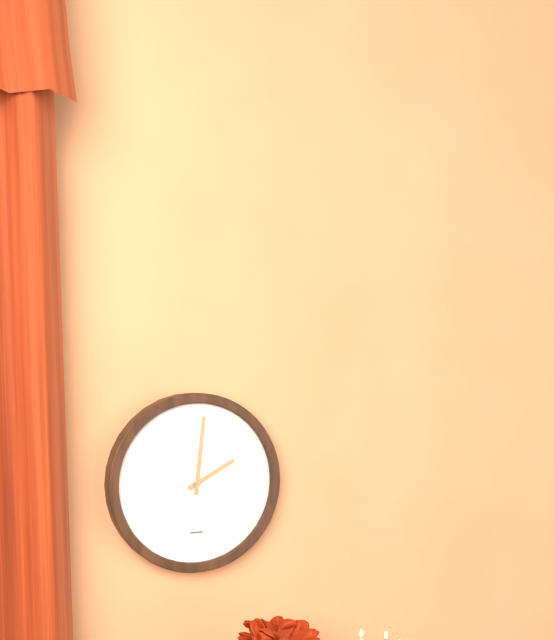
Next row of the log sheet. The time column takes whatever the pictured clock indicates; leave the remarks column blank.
2:01
